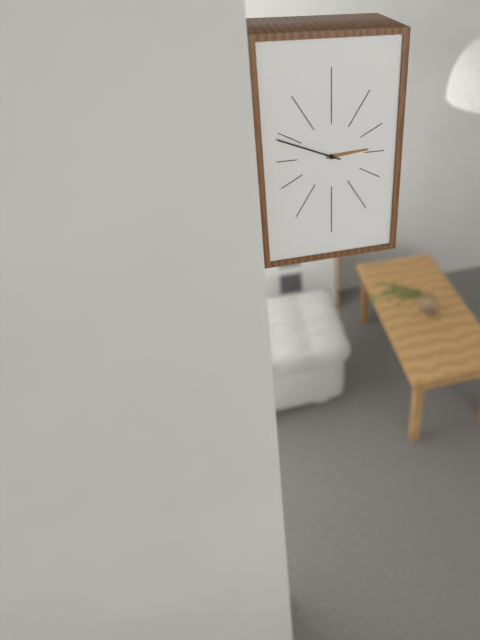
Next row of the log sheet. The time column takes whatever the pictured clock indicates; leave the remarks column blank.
2:49
